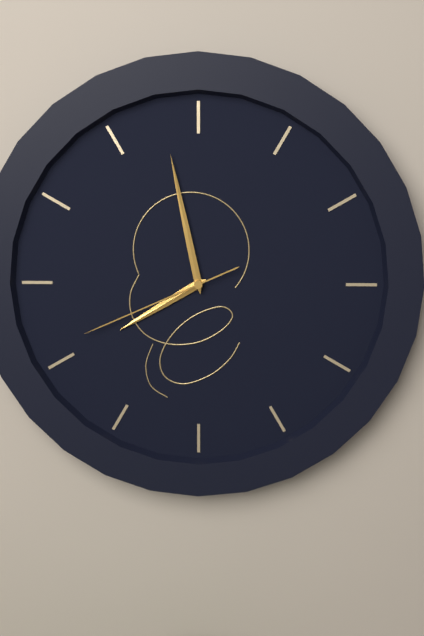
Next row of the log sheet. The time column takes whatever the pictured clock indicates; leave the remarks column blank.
7:58:41
